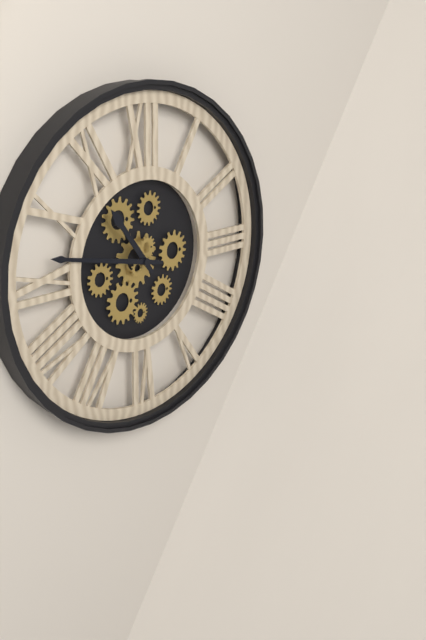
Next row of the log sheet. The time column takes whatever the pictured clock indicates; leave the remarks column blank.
10:47
